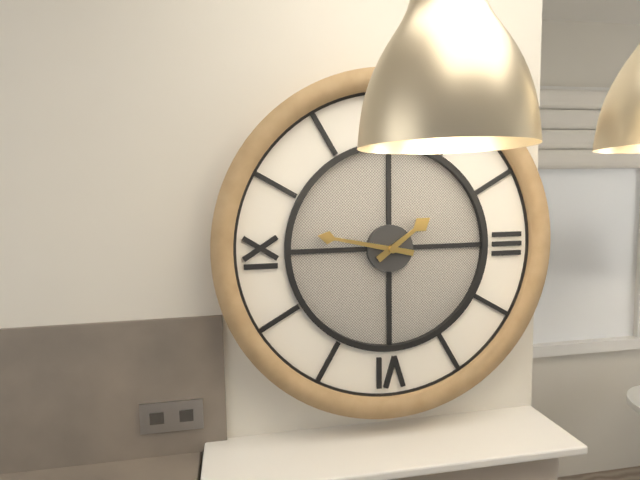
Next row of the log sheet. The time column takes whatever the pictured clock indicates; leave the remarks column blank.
1:47
